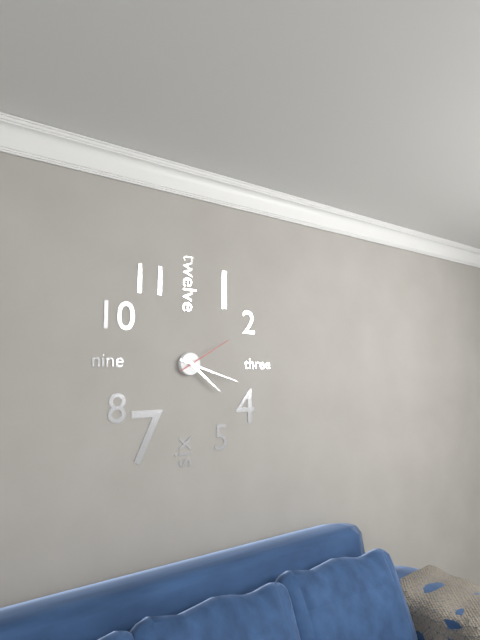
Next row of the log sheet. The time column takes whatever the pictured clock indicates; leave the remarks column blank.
4:18:10
